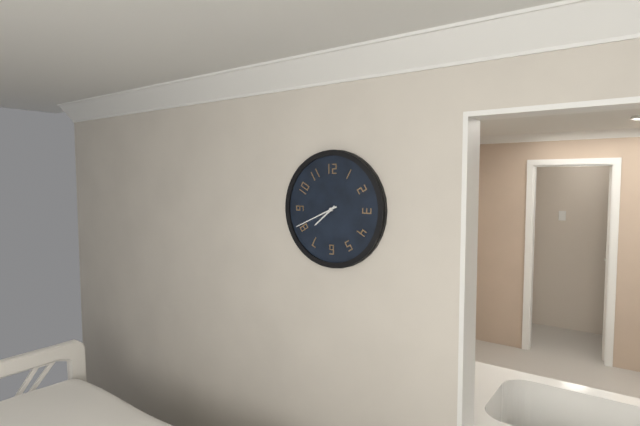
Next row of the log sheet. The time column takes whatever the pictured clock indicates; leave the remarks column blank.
7:41
